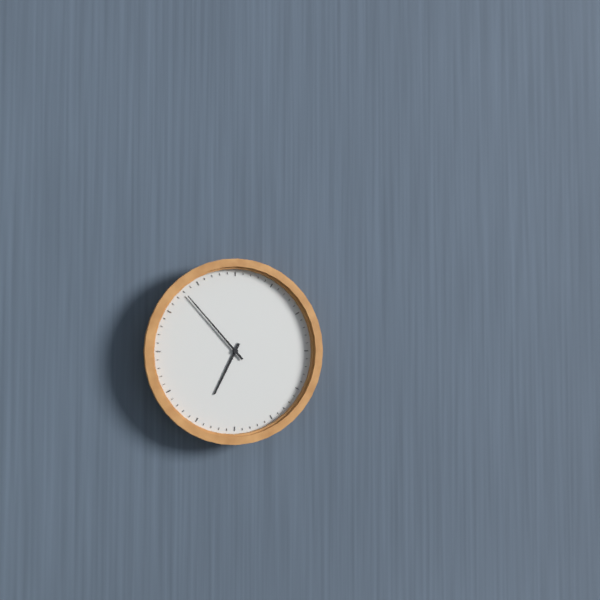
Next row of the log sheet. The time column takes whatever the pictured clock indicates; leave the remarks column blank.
6:53
